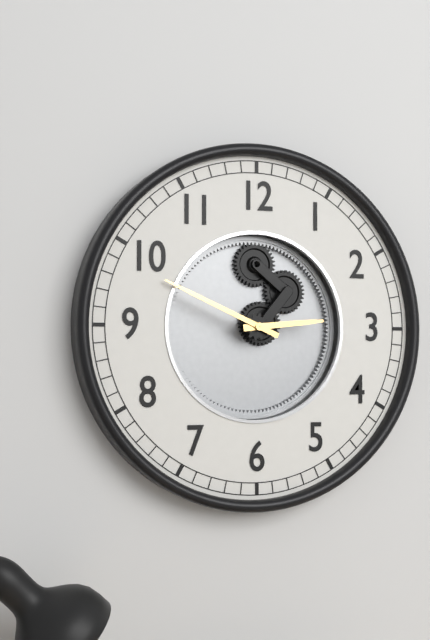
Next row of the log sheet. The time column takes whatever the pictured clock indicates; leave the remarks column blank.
2:49
